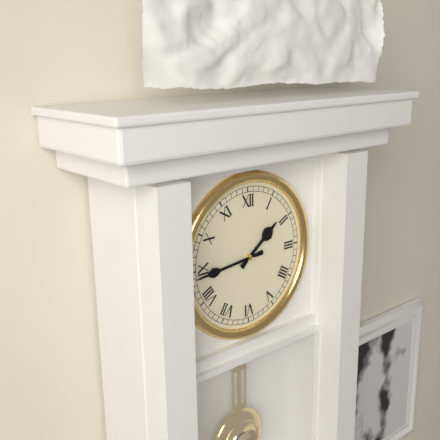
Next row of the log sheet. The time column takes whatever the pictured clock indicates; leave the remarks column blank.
1:44
